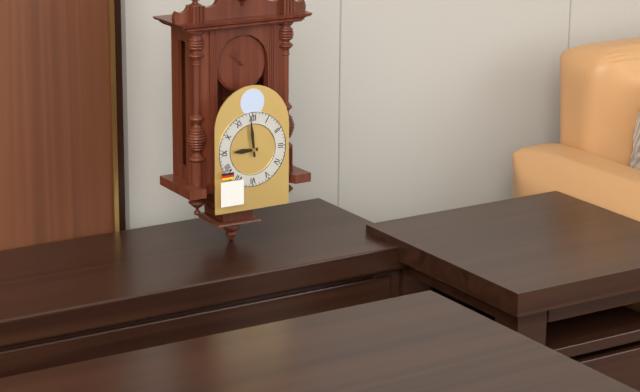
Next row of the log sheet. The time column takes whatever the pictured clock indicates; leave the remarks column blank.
8:59
